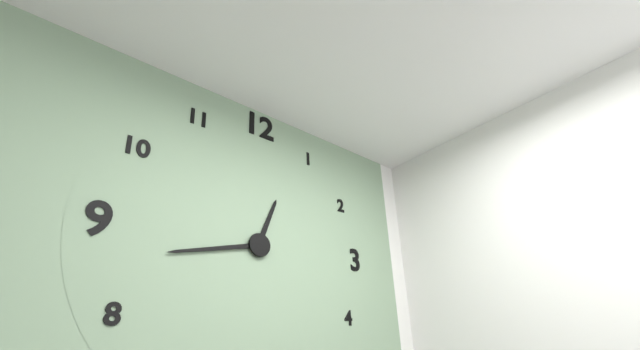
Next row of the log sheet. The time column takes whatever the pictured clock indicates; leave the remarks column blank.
12:43
